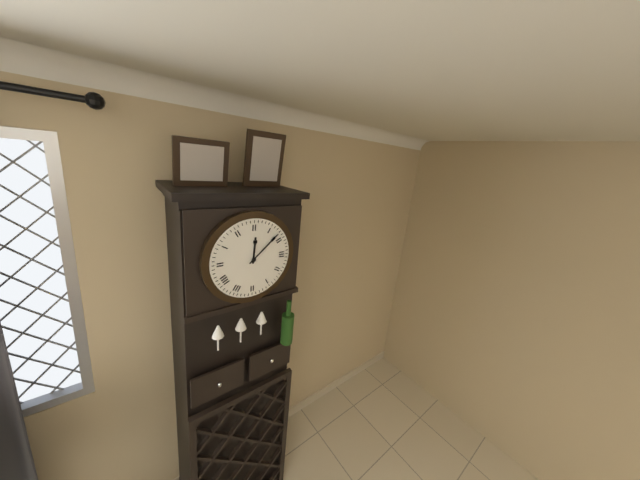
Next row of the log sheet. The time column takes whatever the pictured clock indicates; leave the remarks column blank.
12:08
